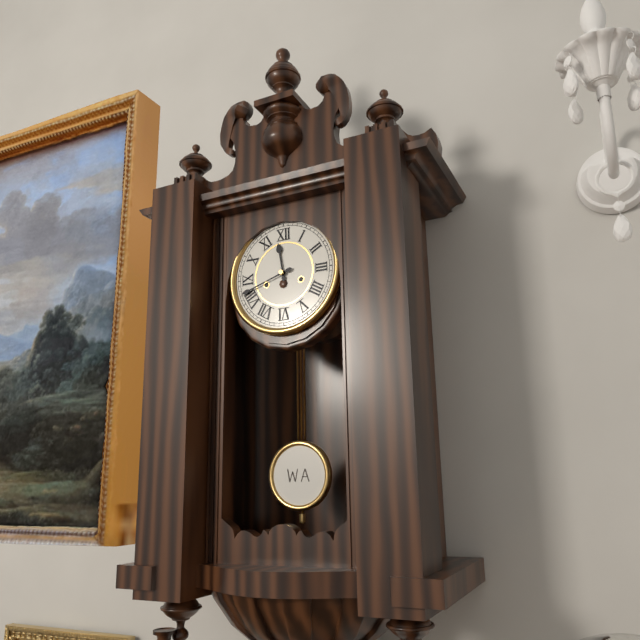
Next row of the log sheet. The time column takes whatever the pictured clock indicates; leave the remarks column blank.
11:42
